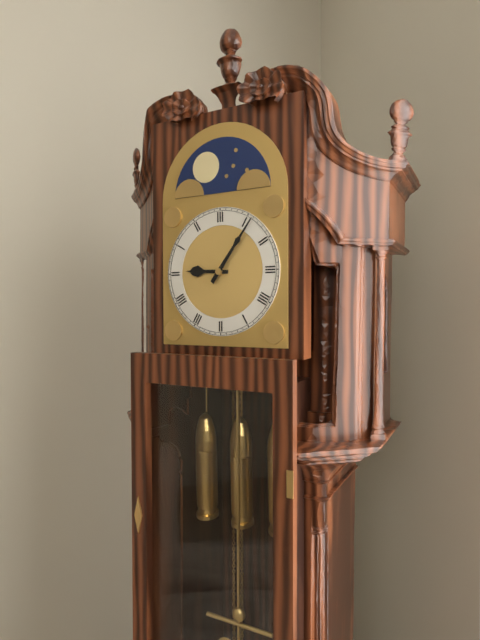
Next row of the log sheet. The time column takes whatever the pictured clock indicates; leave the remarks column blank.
9:06
